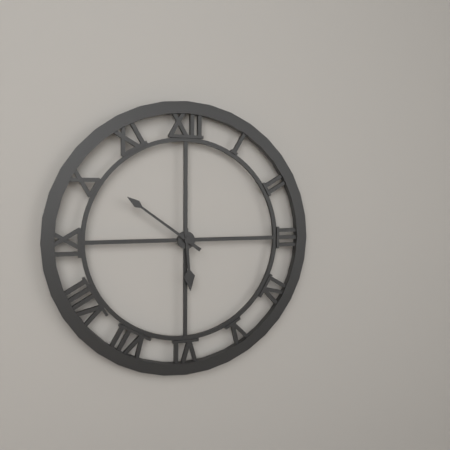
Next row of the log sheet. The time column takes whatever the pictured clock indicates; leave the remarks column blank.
5:51
